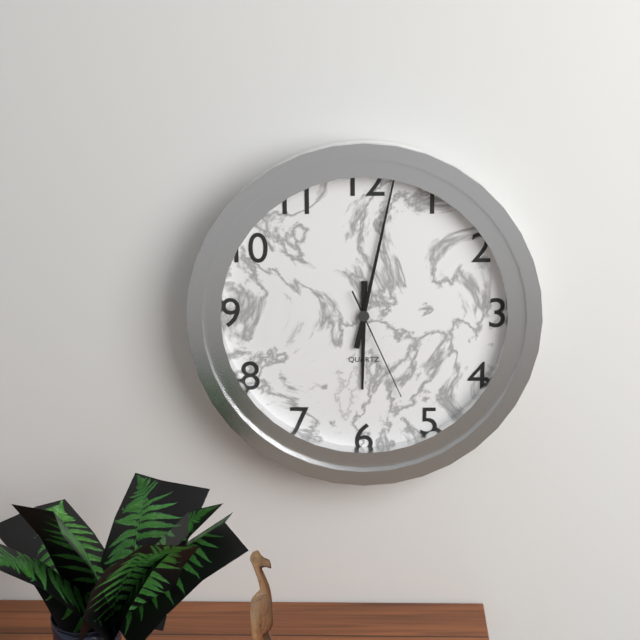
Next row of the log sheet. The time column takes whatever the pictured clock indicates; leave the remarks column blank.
6:02:26
